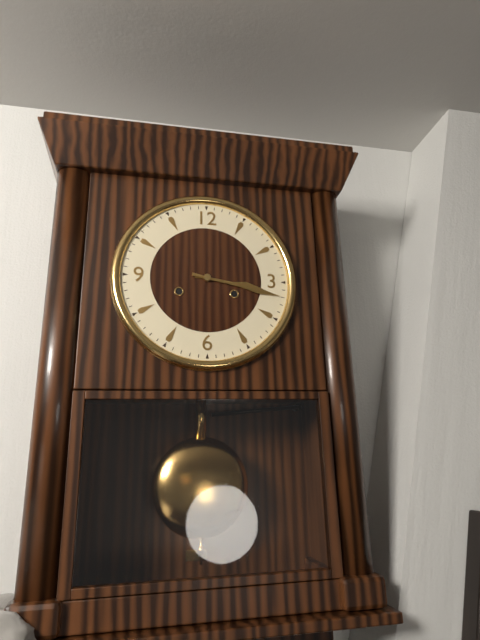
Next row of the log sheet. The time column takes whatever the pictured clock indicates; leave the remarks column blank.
3:17
